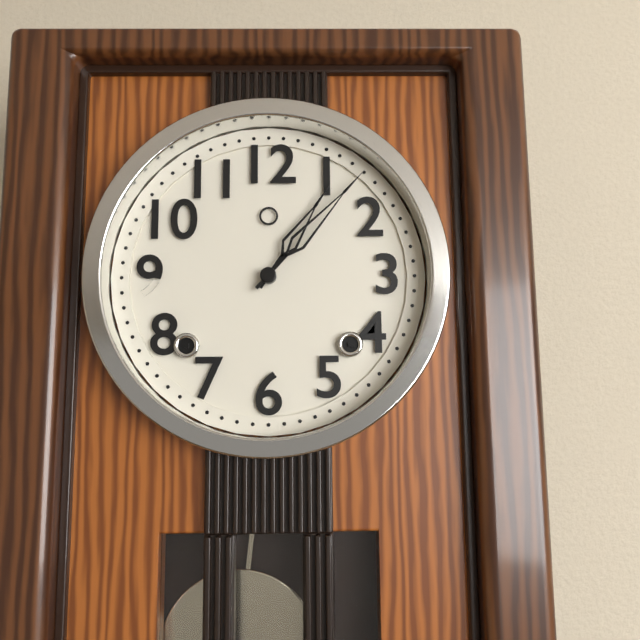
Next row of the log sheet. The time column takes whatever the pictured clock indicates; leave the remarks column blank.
1:07
